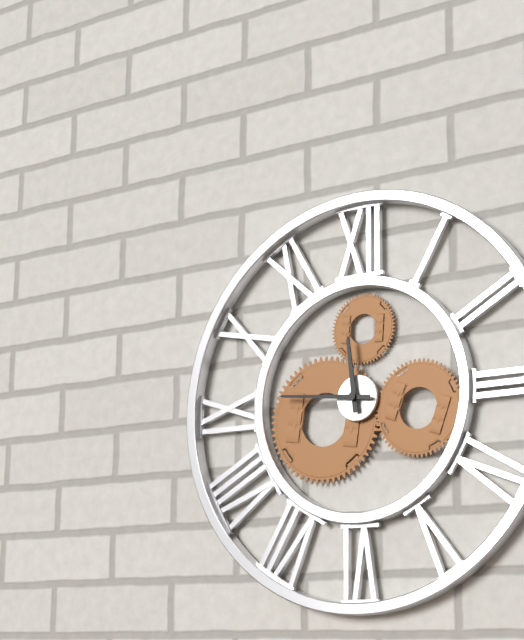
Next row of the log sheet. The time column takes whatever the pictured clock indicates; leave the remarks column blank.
11:46
